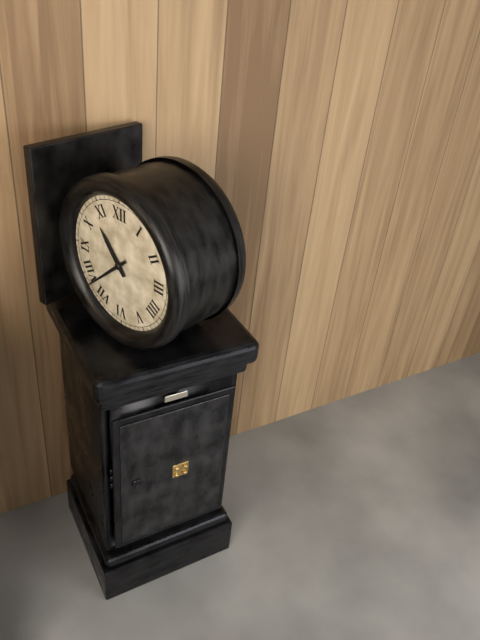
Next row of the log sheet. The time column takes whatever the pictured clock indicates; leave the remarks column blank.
10:38
